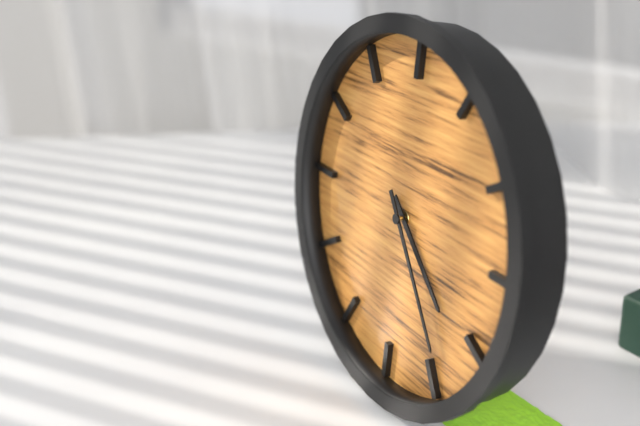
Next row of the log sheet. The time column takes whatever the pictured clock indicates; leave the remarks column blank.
4:24
